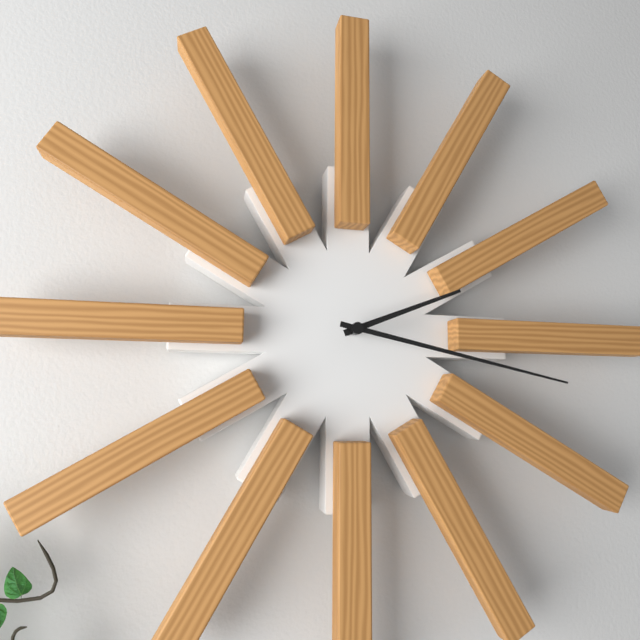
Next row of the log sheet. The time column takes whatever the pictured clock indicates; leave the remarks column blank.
2:17
